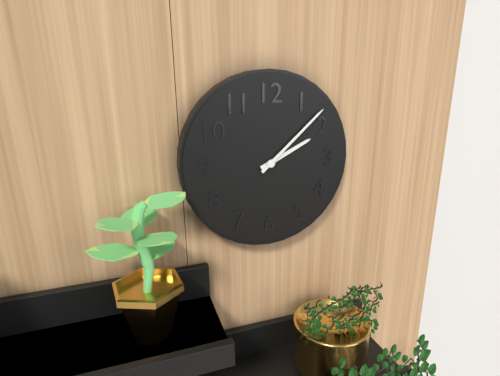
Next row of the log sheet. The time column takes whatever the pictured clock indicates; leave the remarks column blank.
2:08
